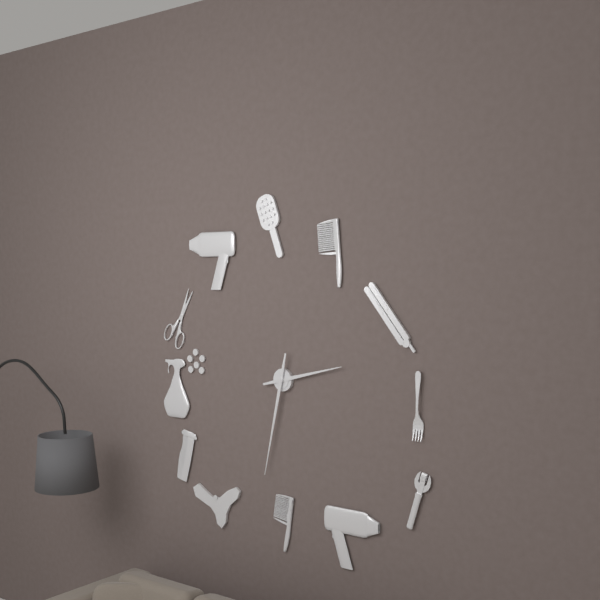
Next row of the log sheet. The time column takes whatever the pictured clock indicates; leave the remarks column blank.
2:32
